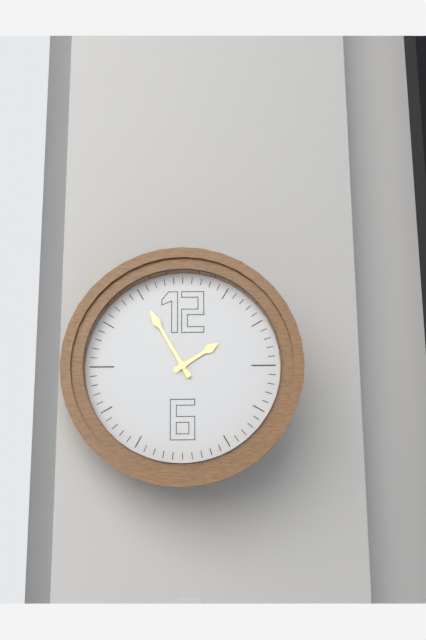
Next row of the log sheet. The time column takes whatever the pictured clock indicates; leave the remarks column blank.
1:55
